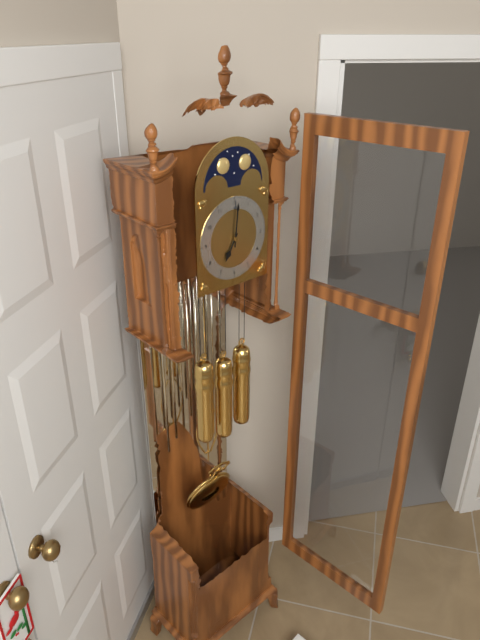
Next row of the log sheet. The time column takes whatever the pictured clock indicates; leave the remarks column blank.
7:01
